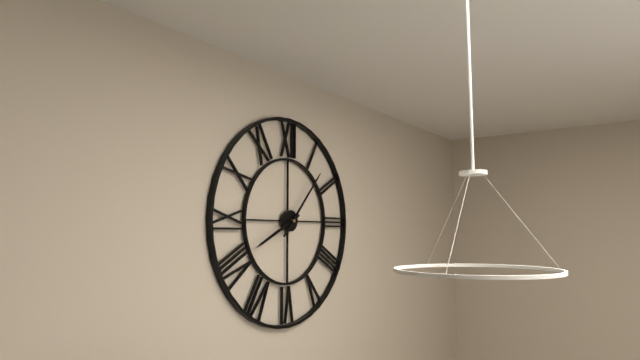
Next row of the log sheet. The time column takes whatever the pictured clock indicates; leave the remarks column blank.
8:07
